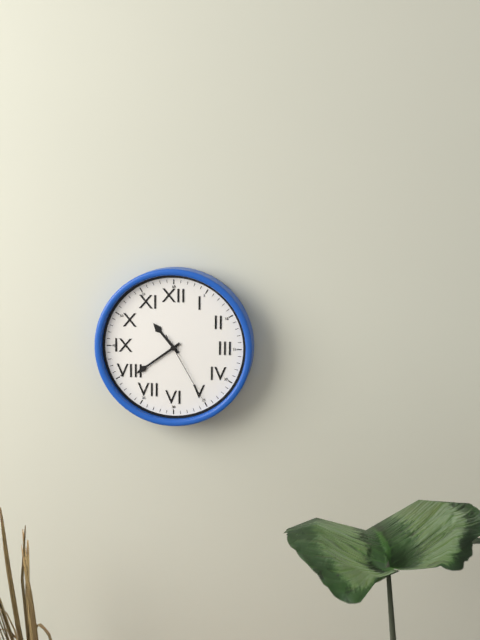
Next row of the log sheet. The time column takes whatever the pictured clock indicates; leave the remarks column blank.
10:39:25
